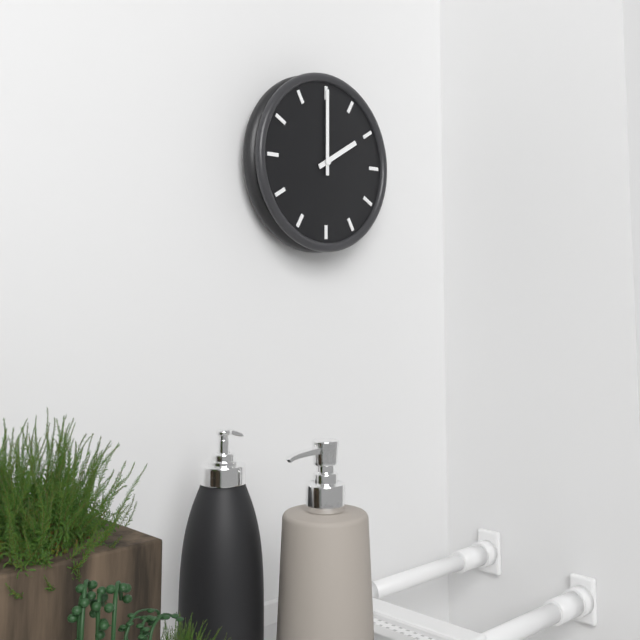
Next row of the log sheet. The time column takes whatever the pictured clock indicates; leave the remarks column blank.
2:00
